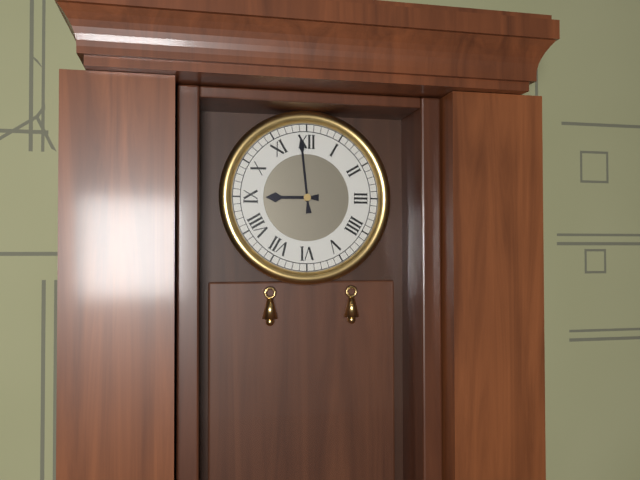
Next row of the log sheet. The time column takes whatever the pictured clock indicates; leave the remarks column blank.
8:59
